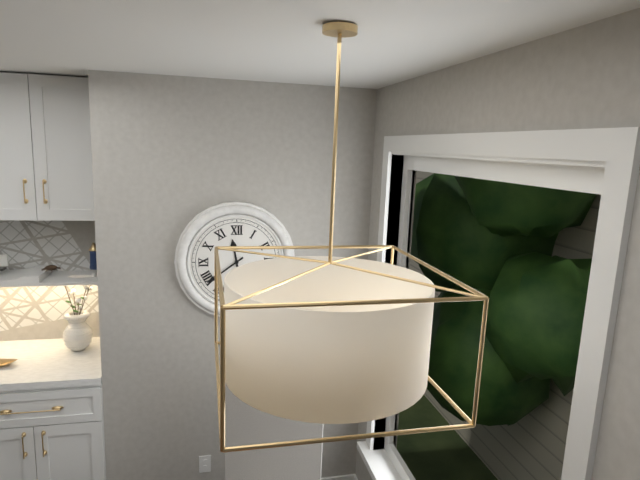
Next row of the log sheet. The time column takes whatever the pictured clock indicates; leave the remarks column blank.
11:39
